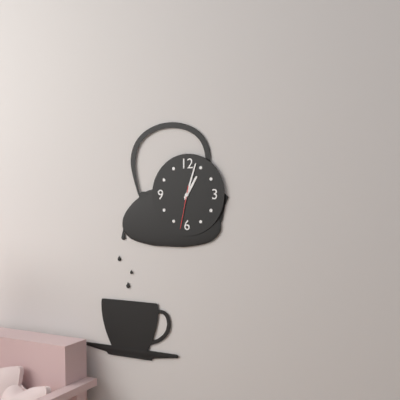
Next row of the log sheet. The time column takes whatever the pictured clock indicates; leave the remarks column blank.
1:03
